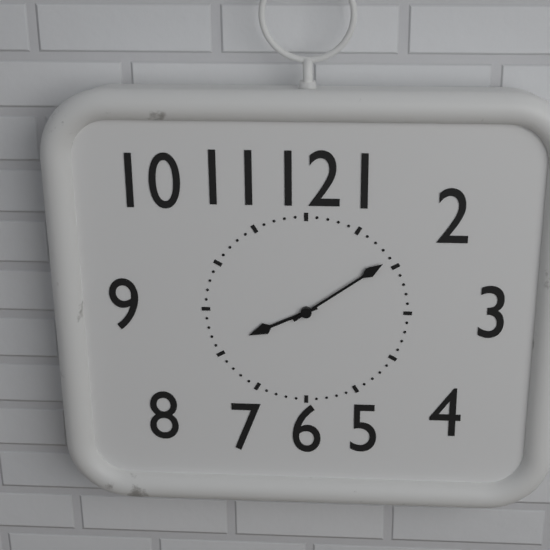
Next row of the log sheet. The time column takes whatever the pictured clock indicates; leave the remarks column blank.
8:09
